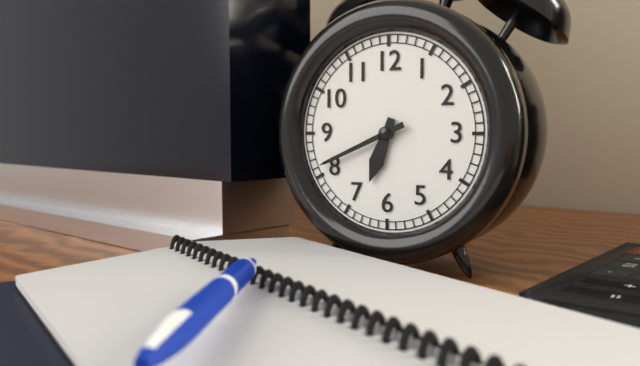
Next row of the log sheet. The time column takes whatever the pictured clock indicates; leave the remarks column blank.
6:41
